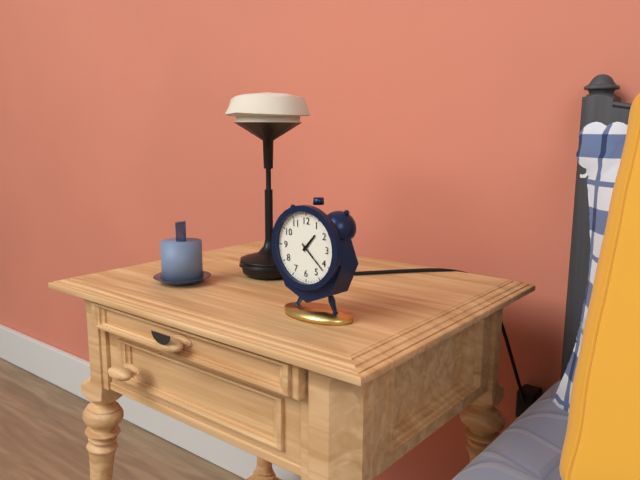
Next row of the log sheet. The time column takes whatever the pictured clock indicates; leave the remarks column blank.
1:22
